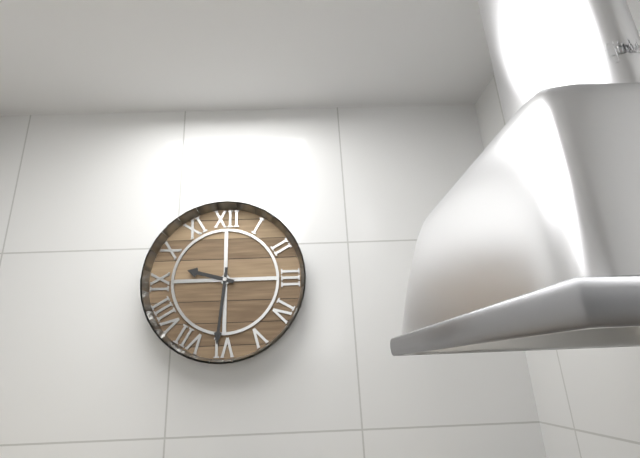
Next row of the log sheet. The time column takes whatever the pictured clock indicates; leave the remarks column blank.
9:31
